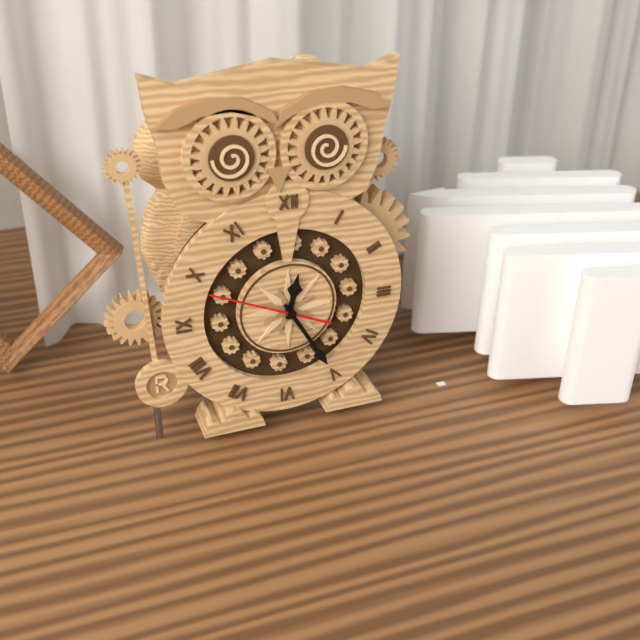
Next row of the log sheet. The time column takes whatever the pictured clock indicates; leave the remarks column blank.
12:25:49
